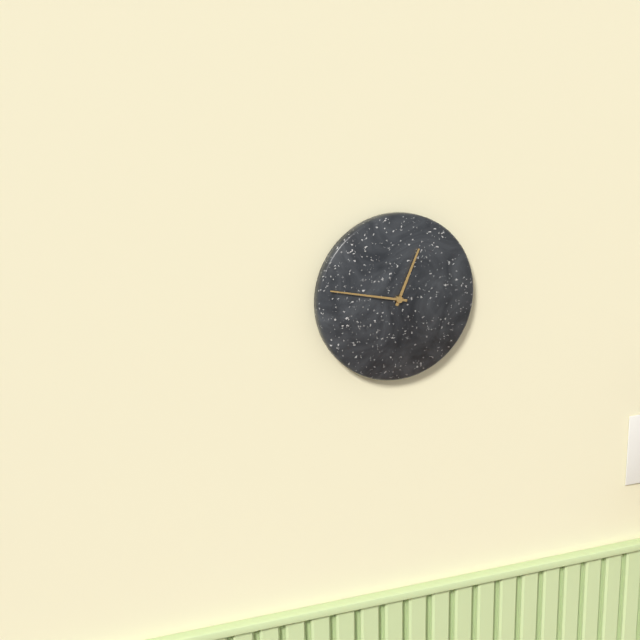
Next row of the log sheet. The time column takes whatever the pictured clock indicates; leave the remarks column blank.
12:47
